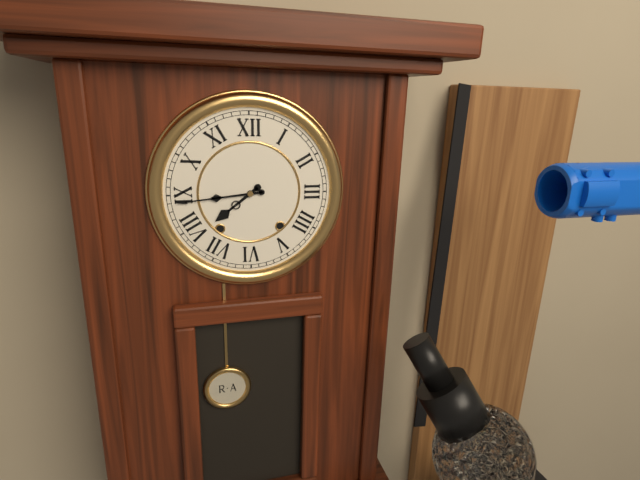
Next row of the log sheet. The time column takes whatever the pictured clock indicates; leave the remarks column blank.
7:44
